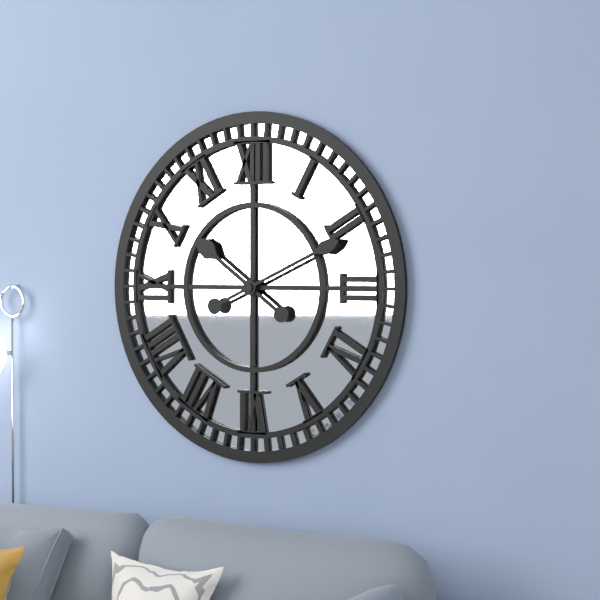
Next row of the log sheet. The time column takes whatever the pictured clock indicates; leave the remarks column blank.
10:11
